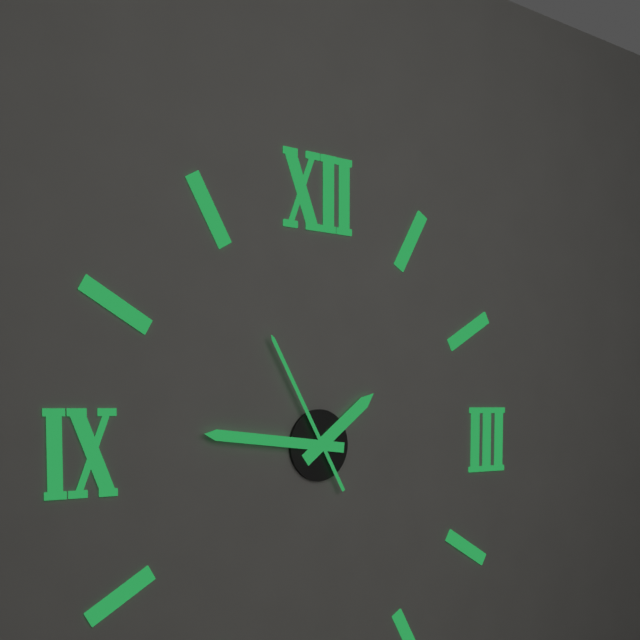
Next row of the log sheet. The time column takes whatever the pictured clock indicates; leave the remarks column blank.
1:46:55
